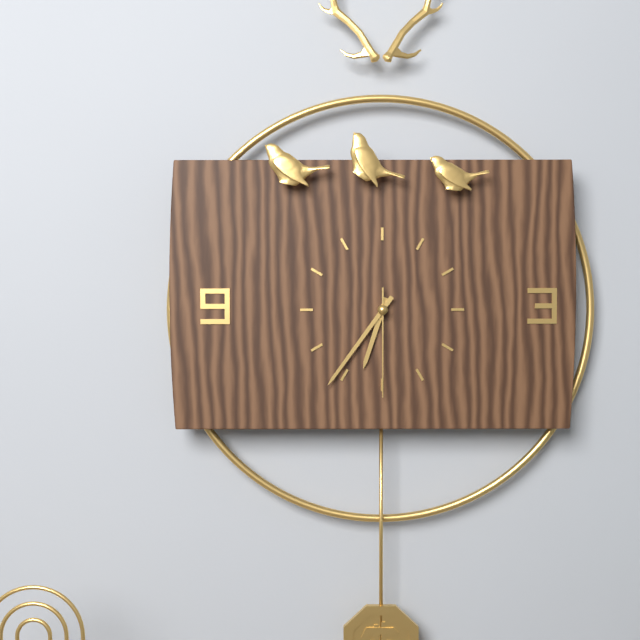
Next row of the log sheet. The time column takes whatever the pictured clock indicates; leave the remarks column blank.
6:36:30
